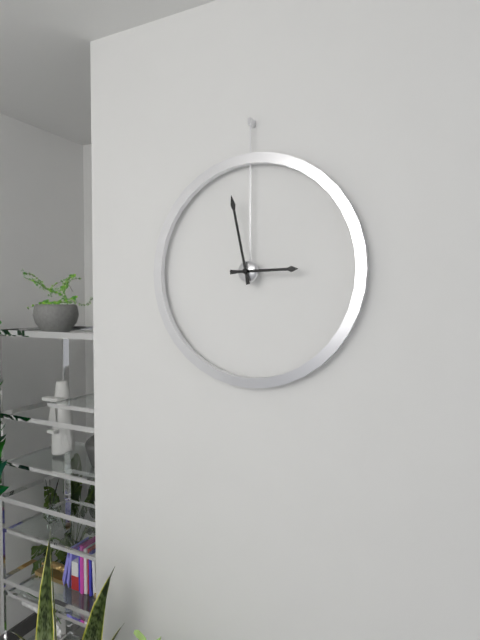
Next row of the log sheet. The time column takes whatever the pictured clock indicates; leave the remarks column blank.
2:58
